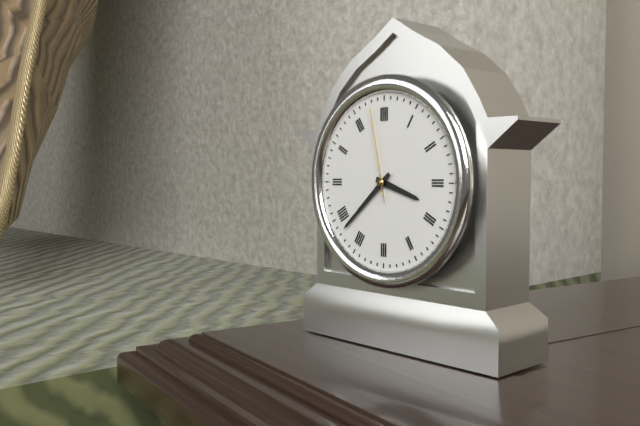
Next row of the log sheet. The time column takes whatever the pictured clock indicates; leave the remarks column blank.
3:38:58
